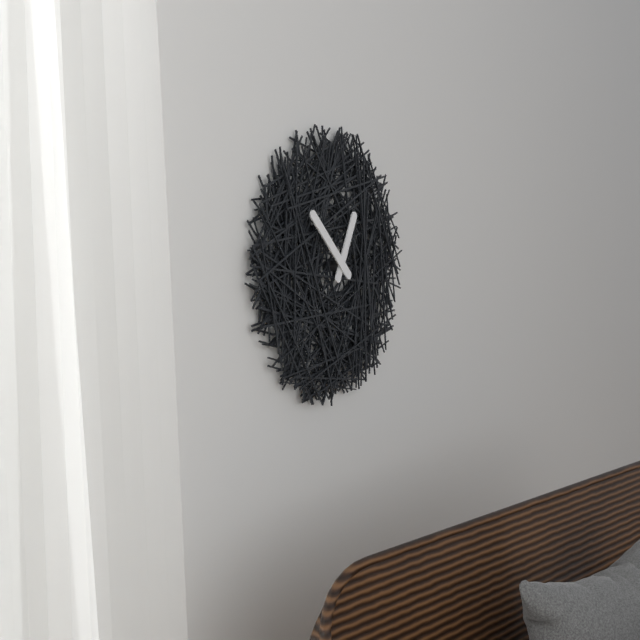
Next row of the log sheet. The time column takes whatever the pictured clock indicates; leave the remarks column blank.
12:52
